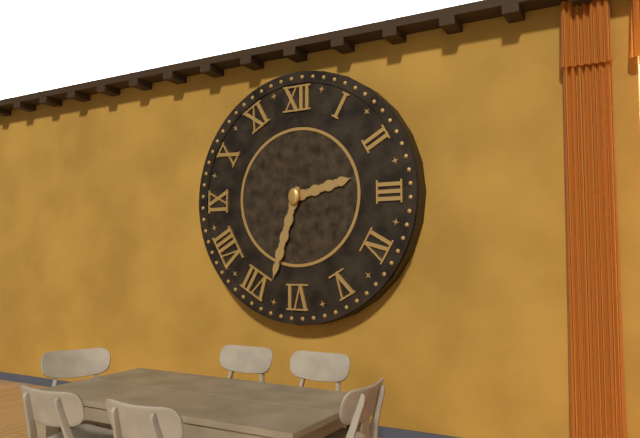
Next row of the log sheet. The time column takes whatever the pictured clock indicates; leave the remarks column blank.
2:33
